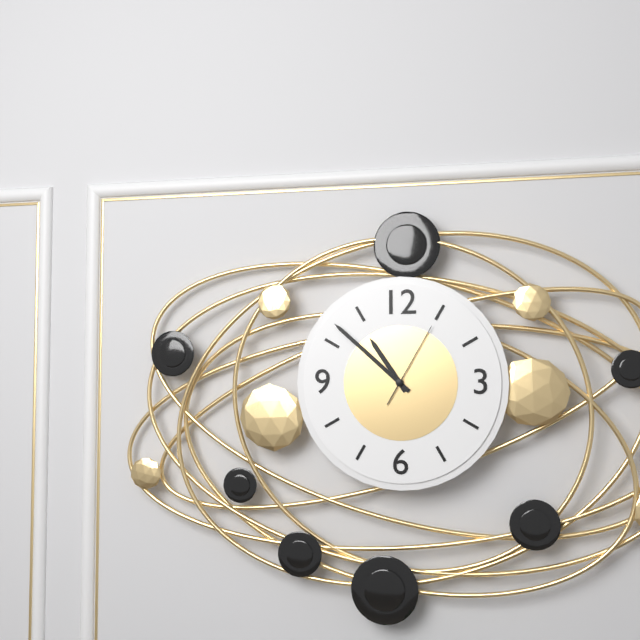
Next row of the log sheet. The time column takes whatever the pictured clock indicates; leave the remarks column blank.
10:52:05
